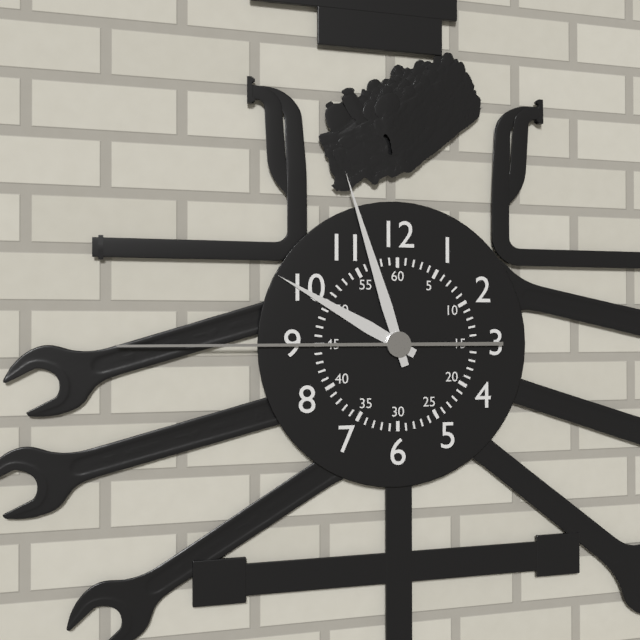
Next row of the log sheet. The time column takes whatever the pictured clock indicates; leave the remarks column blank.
9:57:45
